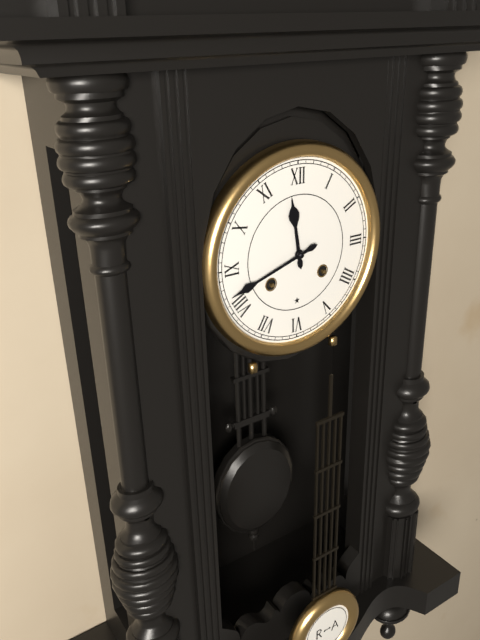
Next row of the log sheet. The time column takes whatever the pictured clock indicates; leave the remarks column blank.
11:42
